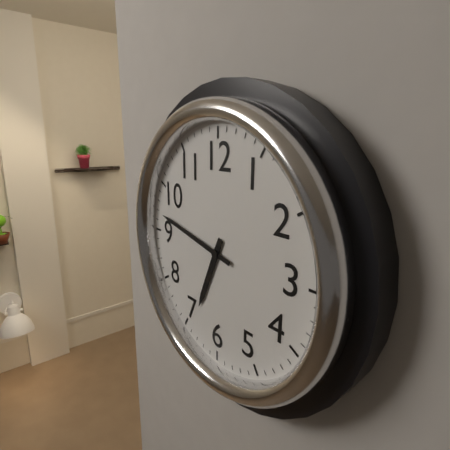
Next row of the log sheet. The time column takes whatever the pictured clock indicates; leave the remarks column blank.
6:47
